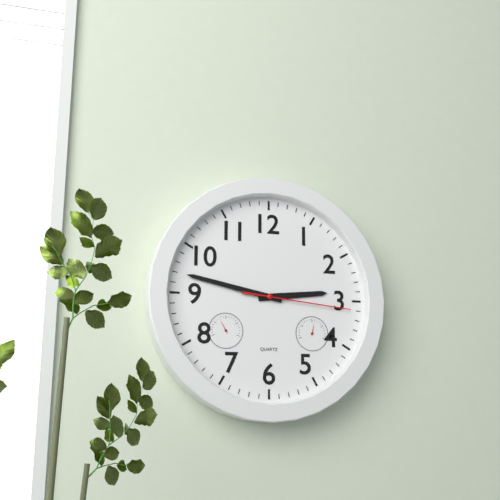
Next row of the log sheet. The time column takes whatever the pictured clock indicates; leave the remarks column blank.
2:47:16
